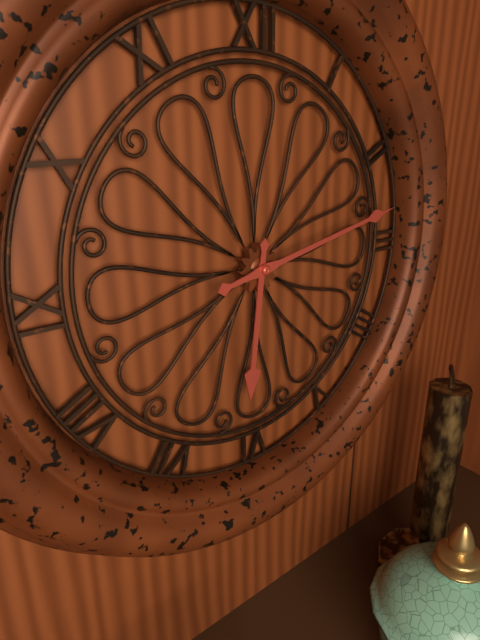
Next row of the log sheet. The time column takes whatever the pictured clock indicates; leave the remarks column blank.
6:13
